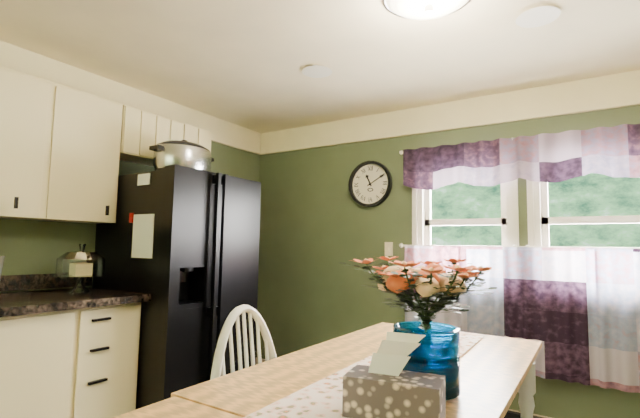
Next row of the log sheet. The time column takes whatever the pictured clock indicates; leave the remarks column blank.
11:10
